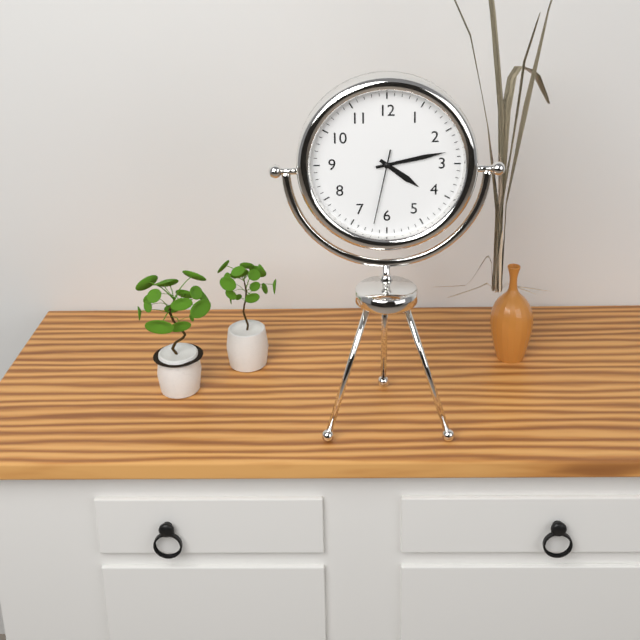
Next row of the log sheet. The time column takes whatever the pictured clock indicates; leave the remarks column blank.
4:13:32
